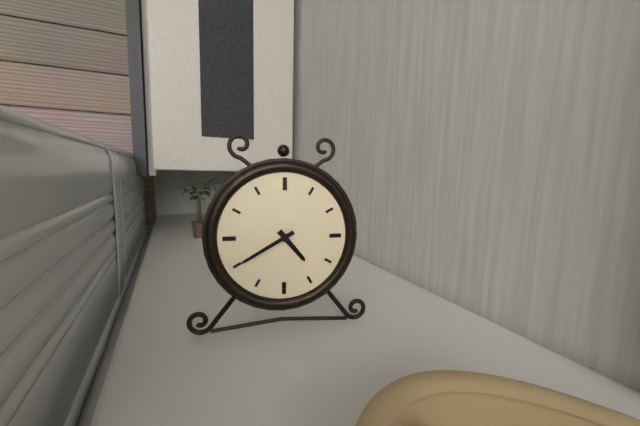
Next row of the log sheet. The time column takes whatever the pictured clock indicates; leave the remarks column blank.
4:40
